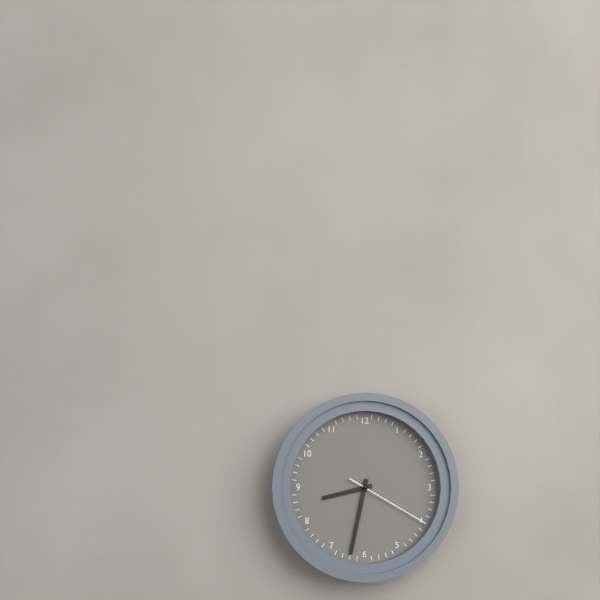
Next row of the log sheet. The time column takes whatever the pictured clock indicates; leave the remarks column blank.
8:32:20
